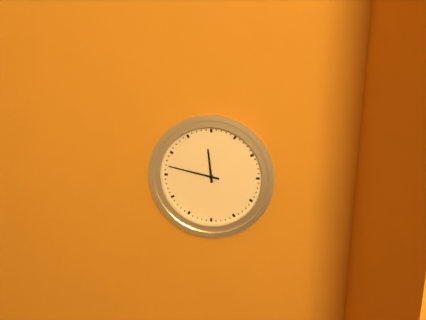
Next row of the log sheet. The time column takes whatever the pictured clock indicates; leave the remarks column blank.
11:47
